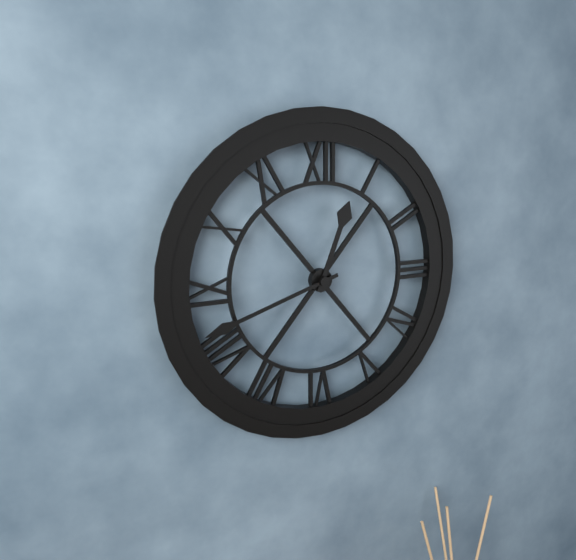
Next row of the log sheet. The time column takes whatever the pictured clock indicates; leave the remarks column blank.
12:42
